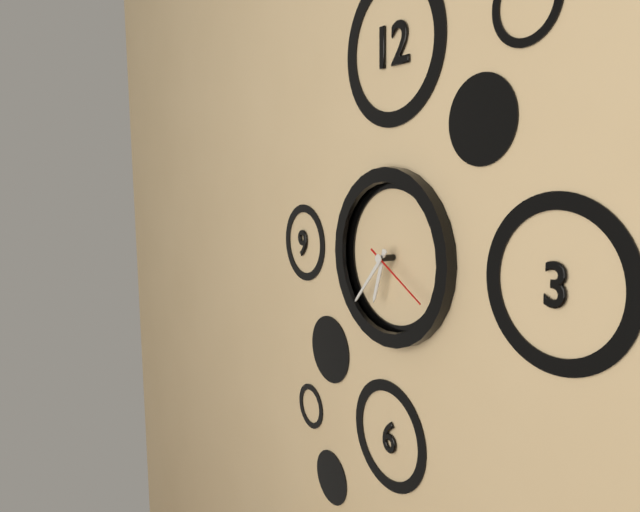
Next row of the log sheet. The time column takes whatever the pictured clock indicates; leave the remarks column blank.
6:37:20
